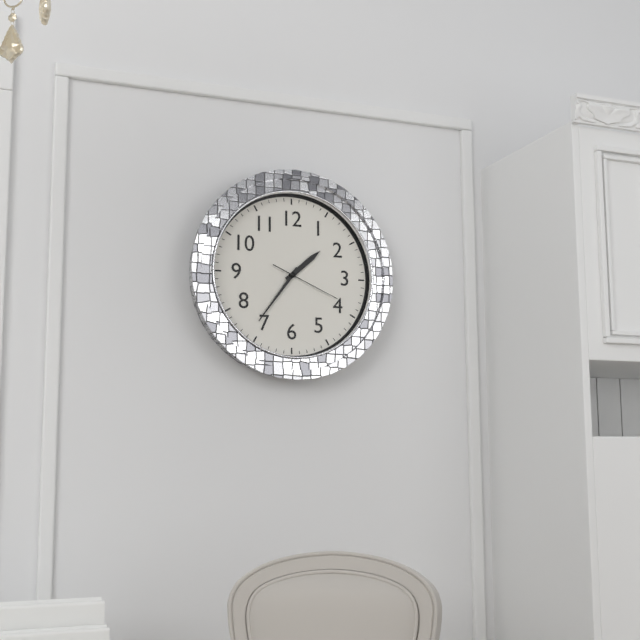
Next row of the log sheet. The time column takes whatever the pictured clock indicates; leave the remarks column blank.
1:36:19
